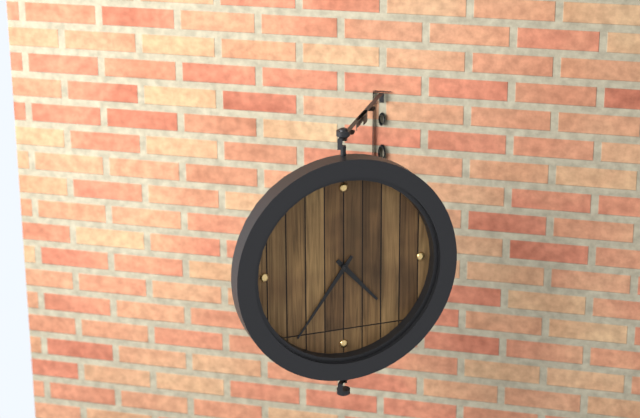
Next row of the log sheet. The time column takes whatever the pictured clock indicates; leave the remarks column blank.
4:36
